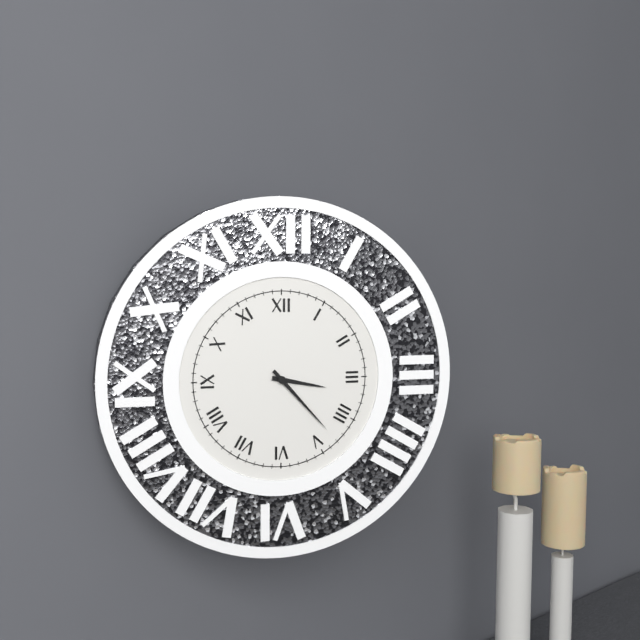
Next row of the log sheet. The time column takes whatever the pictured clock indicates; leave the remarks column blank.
3:23
